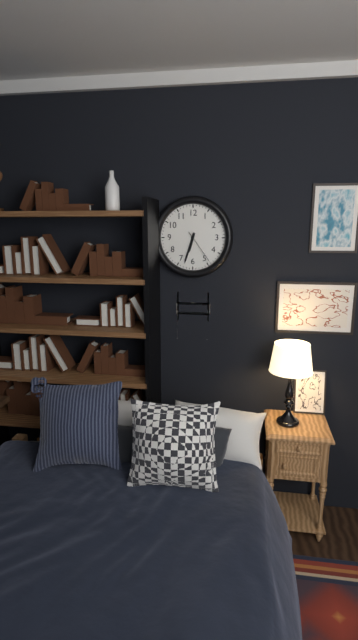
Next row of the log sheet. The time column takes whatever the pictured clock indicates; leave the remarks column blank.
6:33
